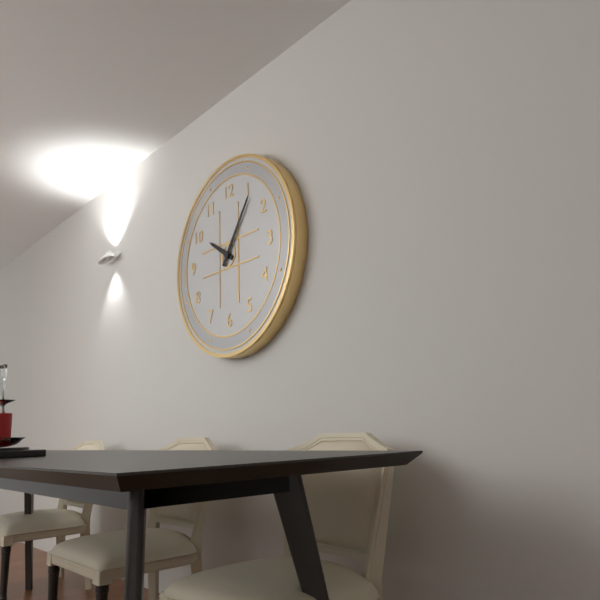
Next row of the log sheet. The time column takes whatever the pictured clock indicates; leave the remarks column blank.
10:06
